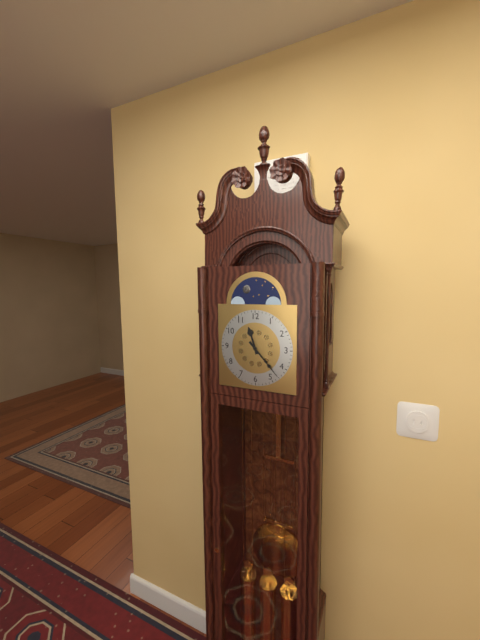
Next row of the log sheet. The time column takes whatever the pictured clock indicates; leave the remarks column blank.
11:23
